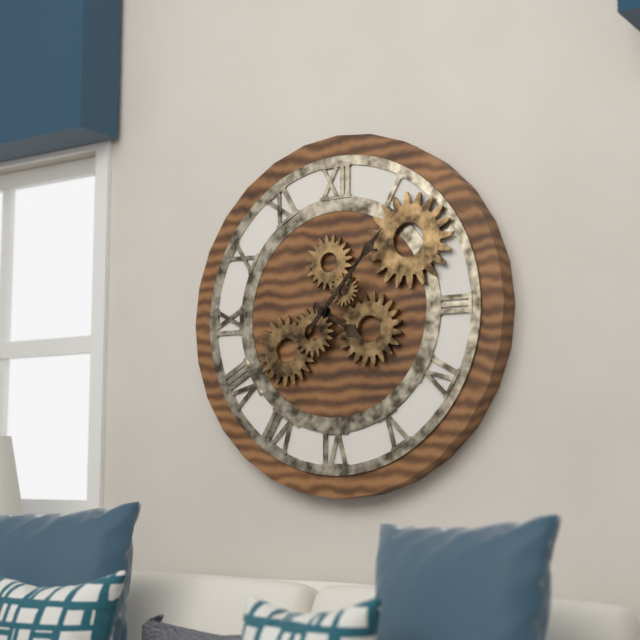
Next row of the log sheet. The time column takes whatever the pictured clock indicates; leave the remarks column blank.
4:07
